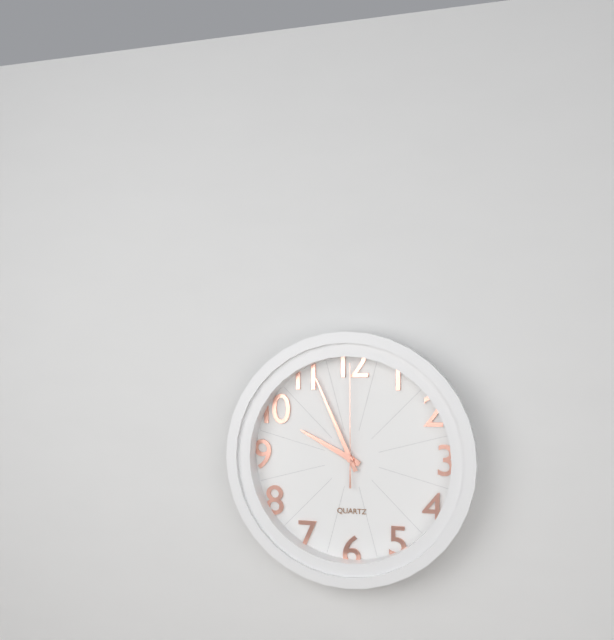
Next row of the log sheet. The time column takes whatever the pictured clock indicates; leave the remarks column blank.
9:56:00
